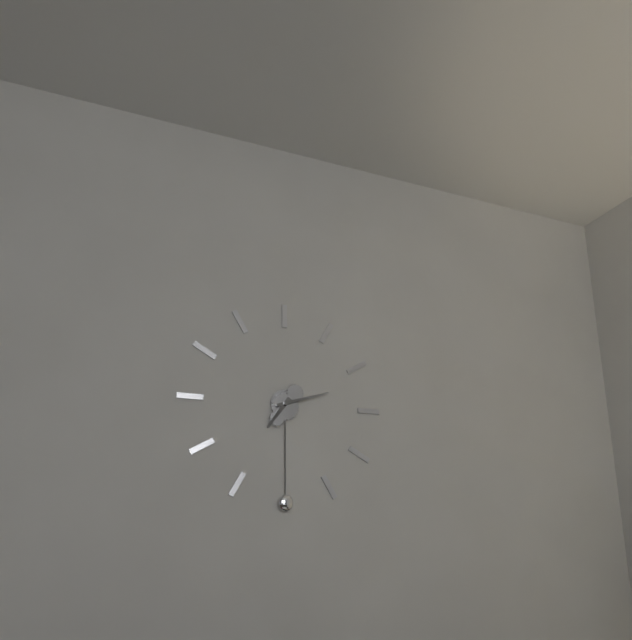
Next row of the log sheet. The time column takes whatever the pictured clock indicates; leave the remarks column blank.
7:12
